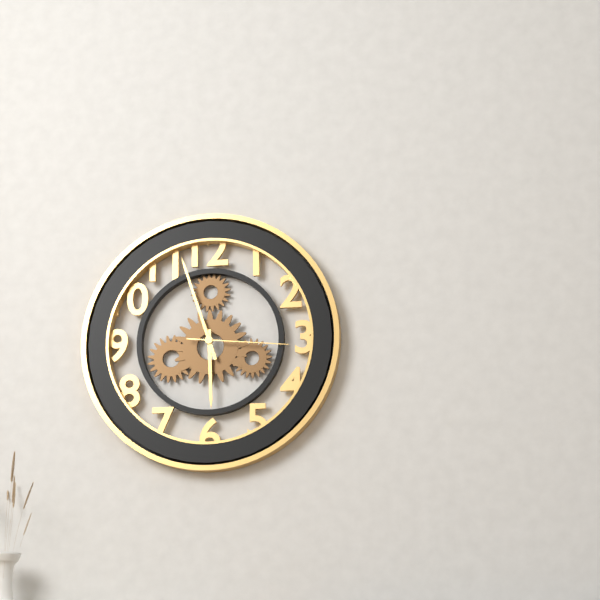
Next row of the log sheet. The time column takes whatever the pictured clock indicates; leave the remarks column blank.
5:57:16
